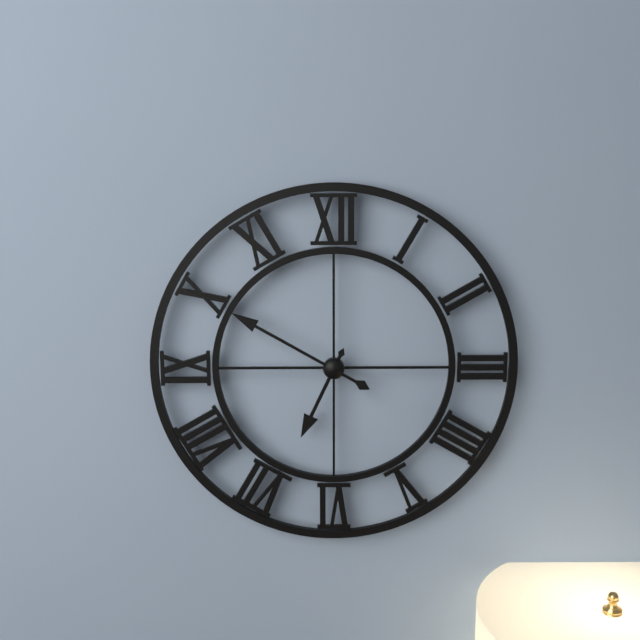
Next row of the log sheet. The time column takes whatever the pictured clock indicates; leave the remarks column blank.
6:50
